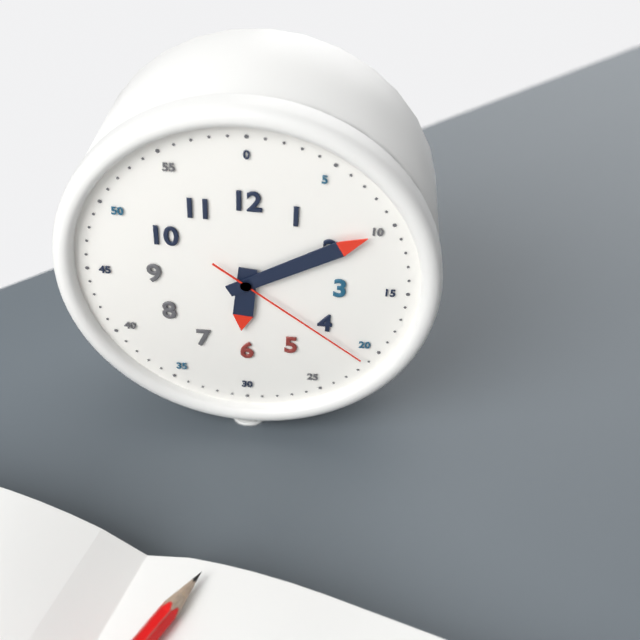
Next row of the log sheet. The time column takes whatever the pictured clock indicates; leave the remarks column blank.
6:10:21
